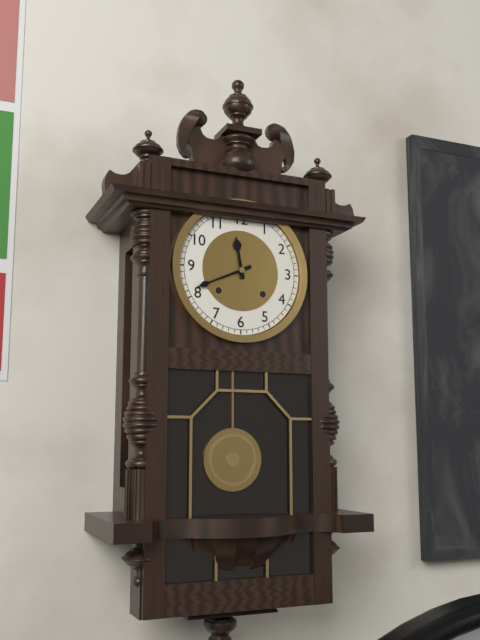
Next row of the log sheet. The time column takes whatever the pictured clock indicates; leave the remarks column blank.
11:41
